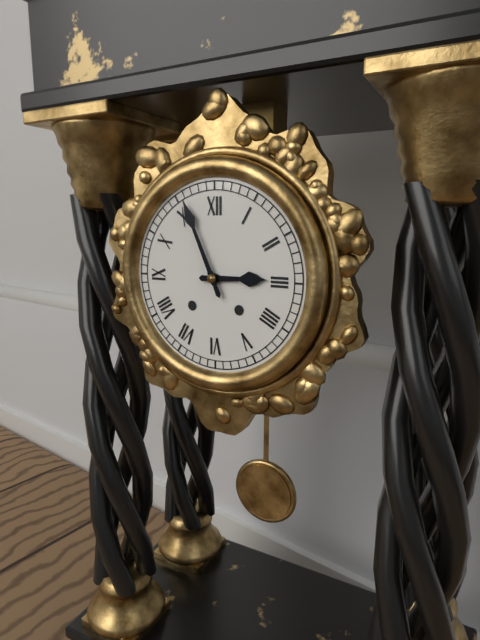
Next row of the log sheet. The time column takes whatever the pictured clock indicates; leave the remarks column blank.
2:56
